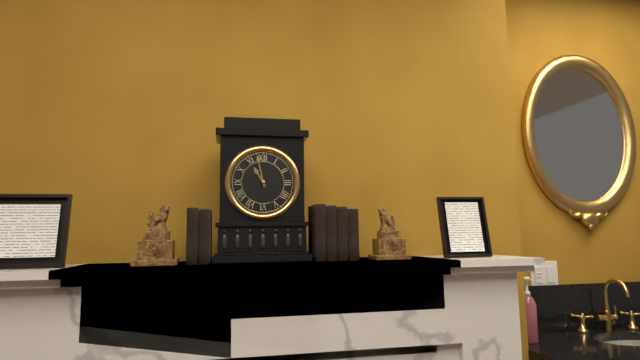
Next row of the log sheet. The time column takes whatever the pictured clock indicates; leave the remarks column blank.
10:58
